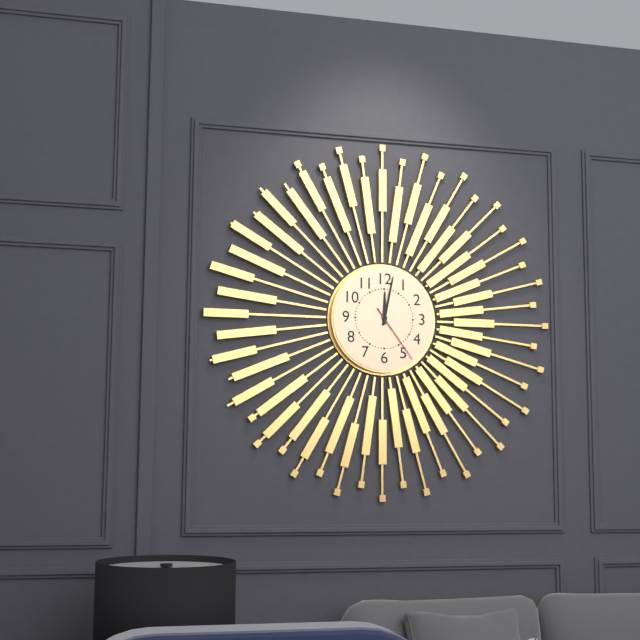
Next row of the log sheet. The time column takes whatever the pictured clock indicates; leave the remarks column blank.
12:02:24
